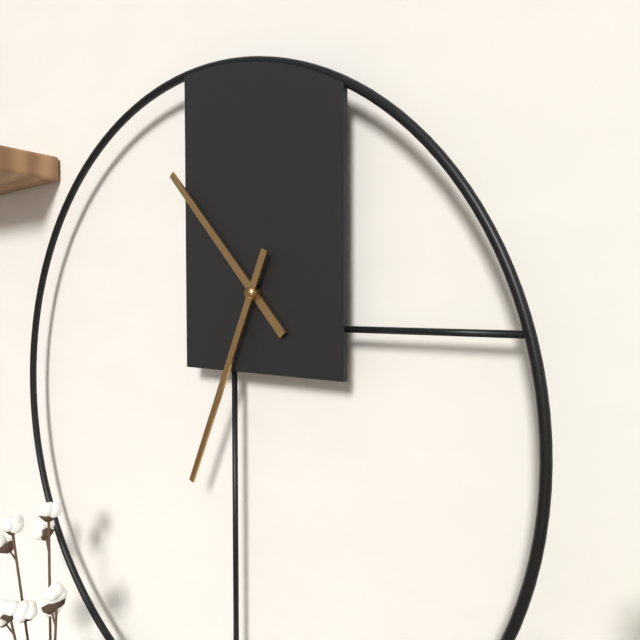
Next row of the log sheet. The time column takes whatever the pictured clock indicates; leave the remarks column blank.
10:34
